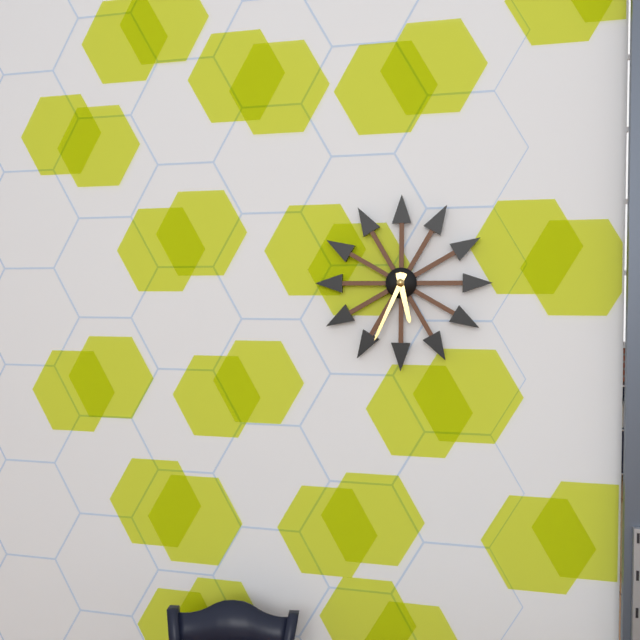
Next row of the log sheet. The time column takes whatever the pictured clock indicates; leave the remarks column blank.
5:34
